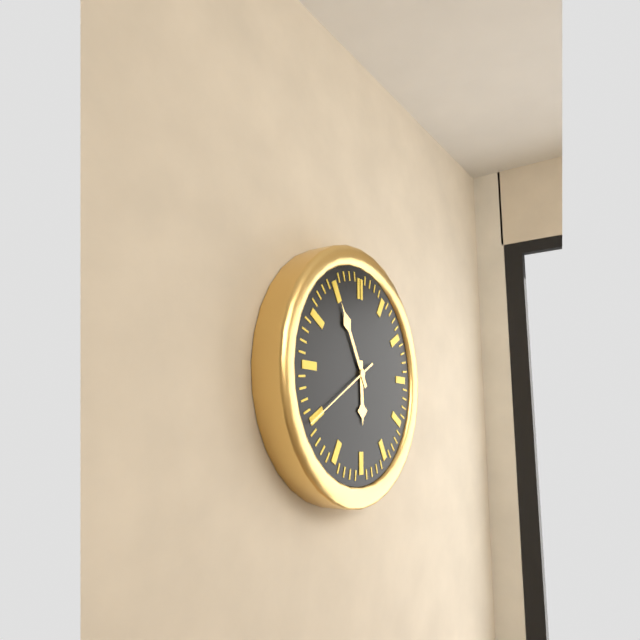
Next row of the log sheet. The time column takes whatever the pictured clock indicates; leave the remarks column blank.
5:55:40
